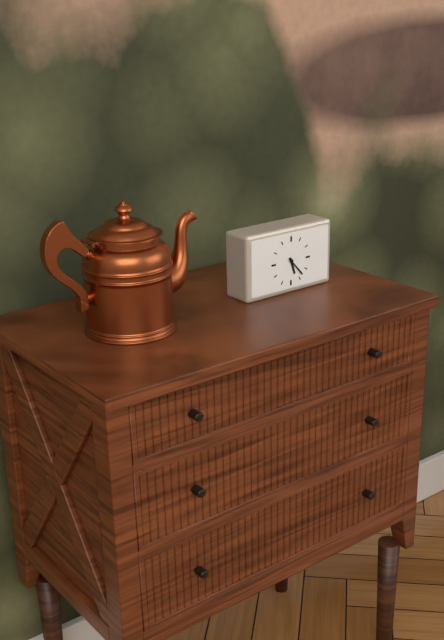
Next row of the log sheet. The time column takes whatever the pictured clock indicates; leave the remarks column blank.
5:23
